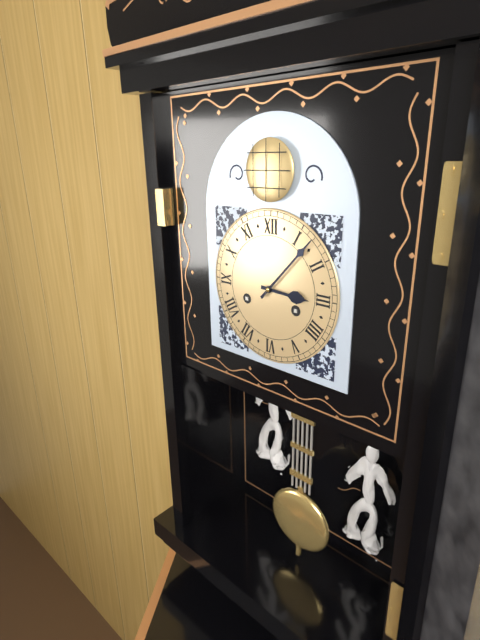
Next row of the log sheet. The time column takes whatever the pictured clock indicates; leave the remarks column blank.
3:07
